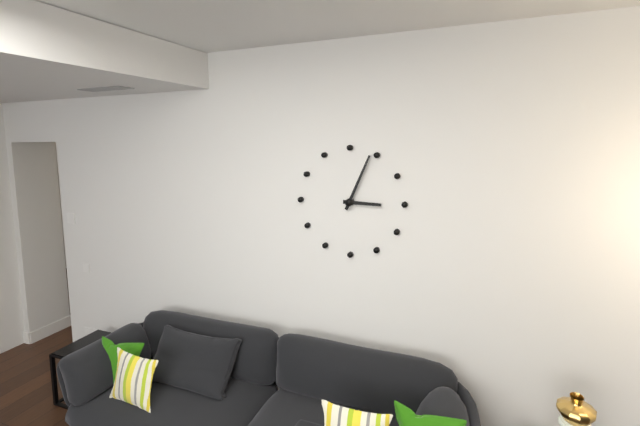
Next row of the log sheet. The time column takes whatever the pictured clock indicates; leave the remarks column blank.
3:04
